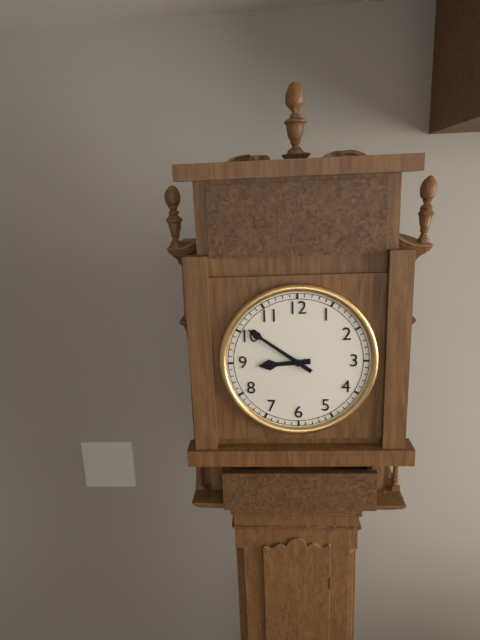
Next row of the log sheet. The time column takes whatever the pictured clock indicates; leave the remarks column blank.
8:51
